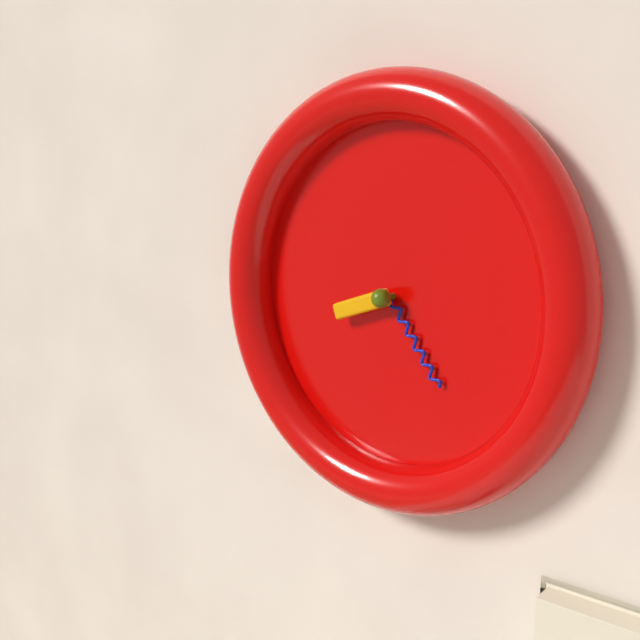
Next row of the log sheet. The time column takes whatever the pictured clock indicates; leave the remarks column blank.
8:24
